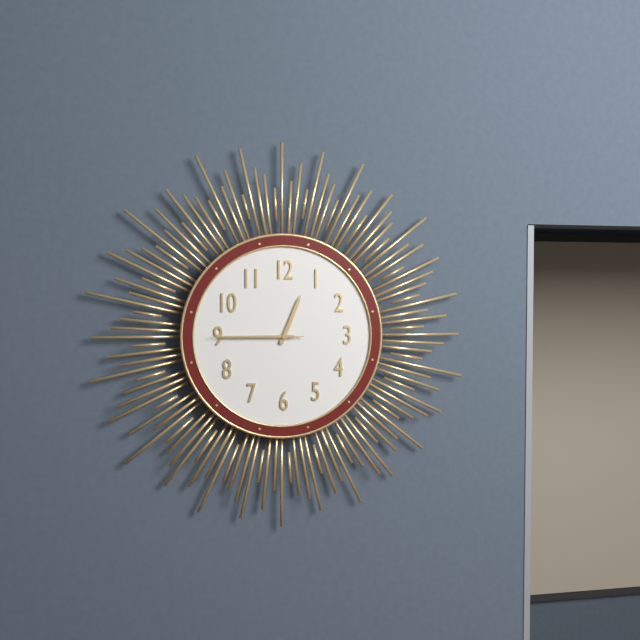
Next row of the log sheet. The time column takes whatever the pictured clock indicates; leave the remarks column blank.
12:45:45
